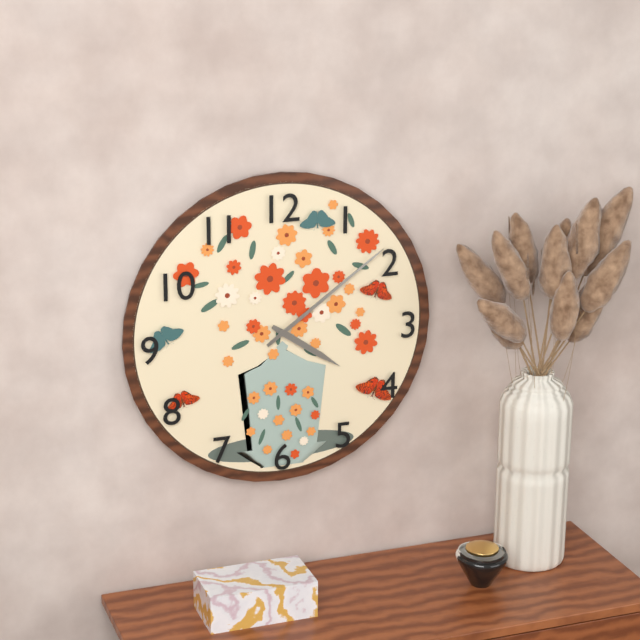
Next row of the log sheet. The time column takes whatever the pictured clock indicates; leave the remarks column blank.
4:09
